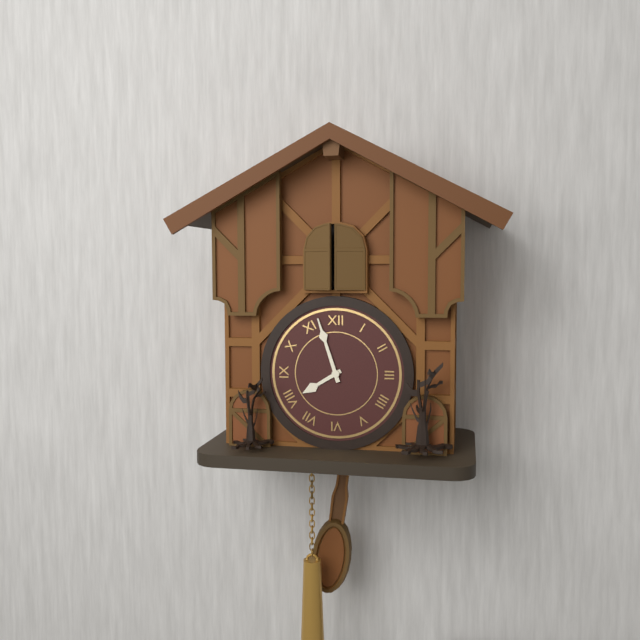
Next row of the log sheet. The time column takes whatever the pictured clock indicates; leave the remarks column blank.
7:57
